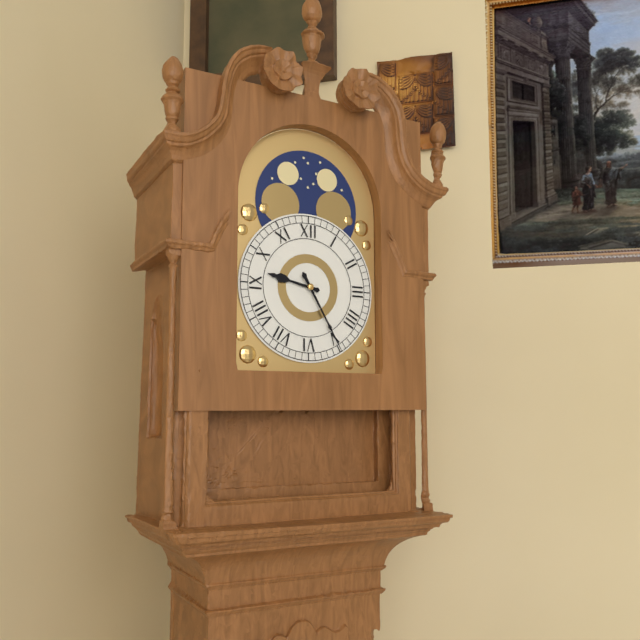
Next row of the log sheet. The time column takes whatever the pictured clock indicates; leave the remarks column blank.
9:25
